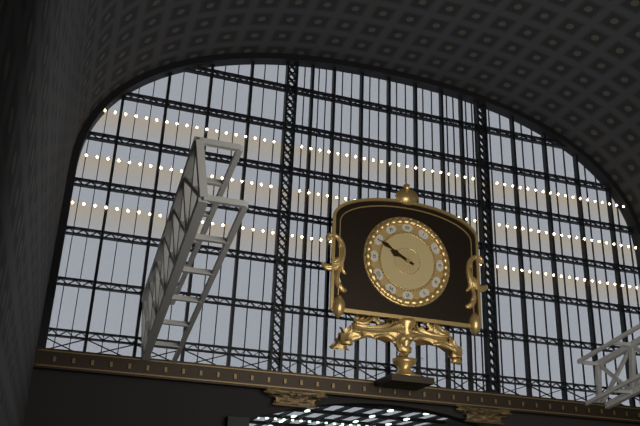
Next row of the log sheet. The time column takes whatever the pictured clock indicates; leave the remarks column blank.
9:50
